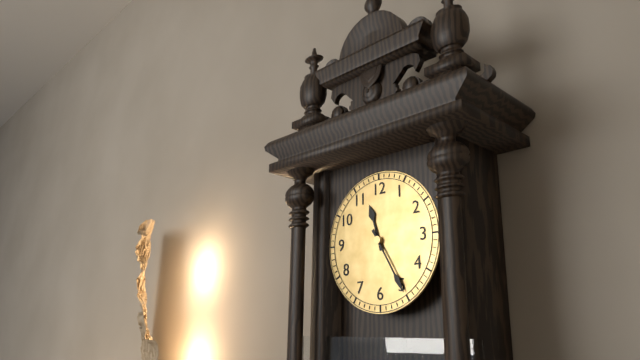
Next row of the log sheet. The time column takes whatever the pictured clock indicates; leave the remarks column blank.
11:25
